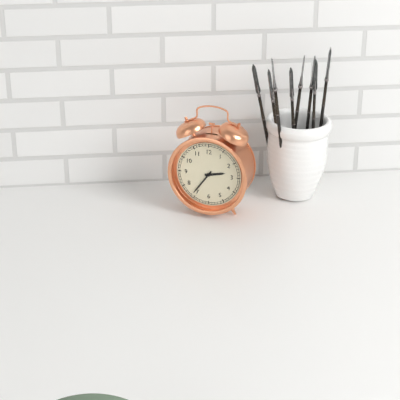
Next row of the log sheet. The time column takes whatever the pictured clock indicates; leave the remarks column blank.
2:36
